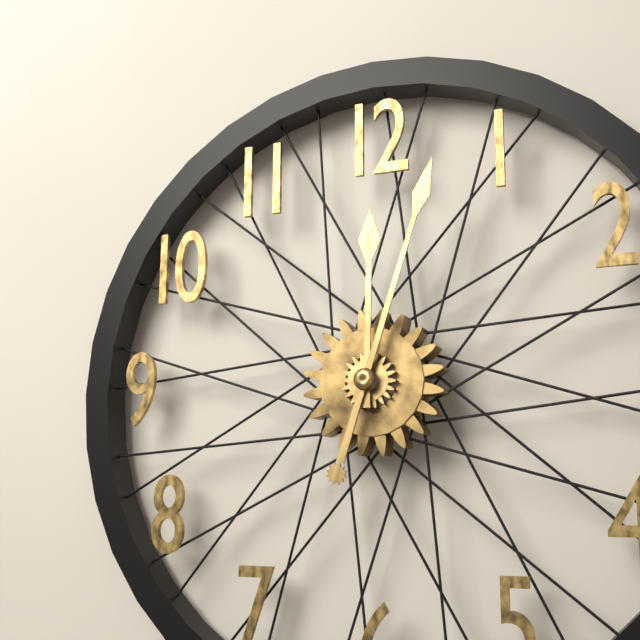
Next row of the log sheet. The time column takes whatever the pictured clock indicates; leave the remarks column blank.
12:03
